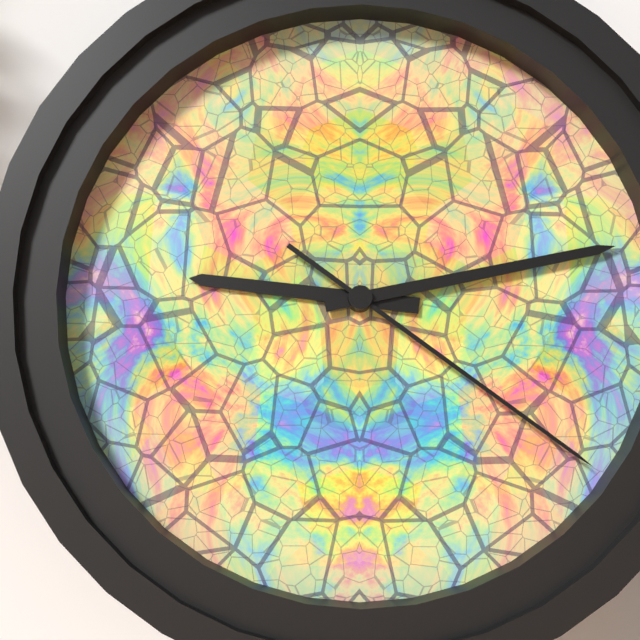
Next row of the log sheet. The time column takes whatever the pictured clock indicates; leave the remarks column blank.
9:13:21
